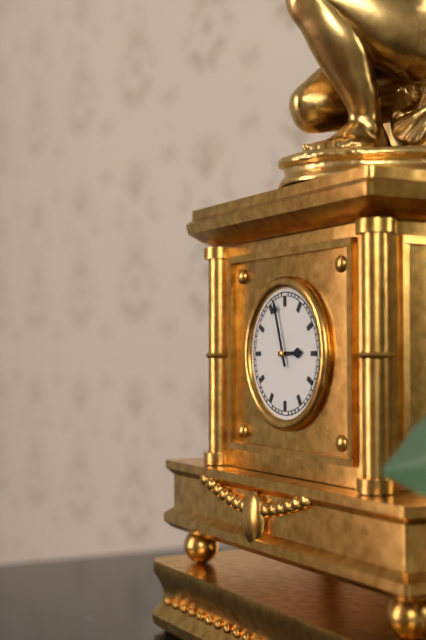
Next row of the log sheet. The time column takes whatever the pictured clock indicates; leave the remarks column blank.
2:57
